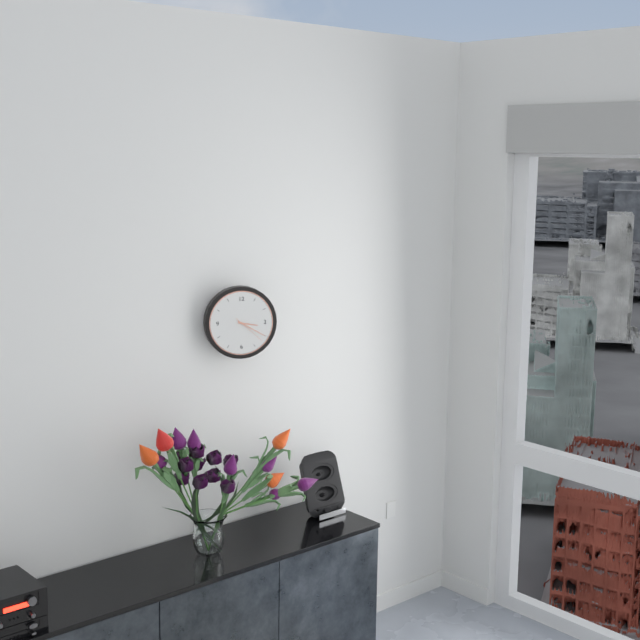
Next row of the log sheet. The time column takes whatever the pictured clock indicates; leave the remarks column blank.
3:20
